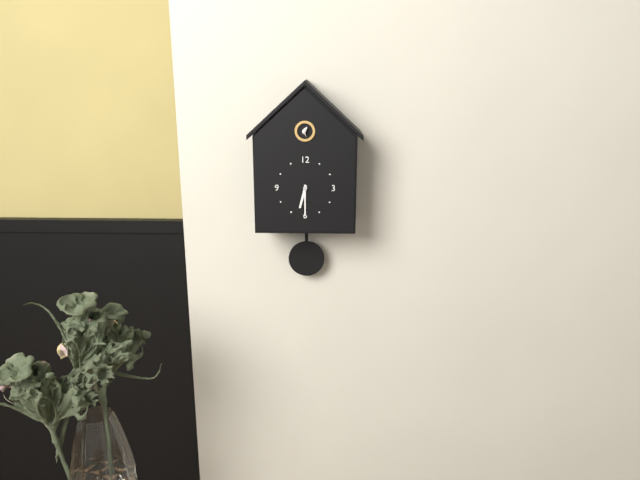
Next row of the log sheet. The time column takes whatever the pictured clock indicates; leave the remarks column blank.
6:30
